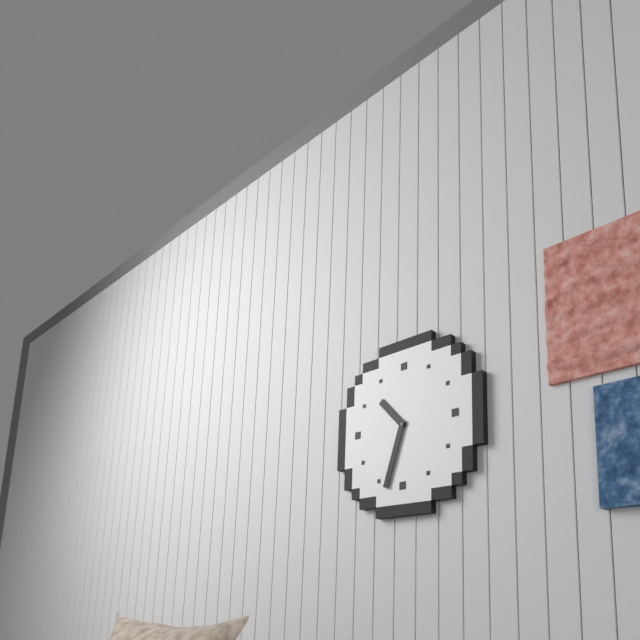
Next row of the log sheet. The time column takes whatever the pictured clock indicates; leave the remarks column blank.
10:33
